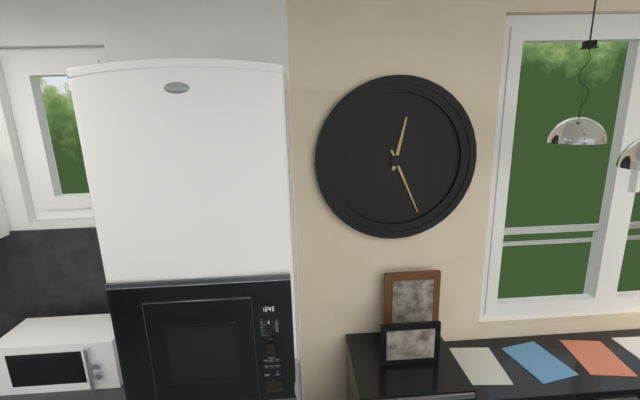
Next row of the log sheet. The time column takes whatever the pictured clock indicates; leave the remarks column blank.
12:26
